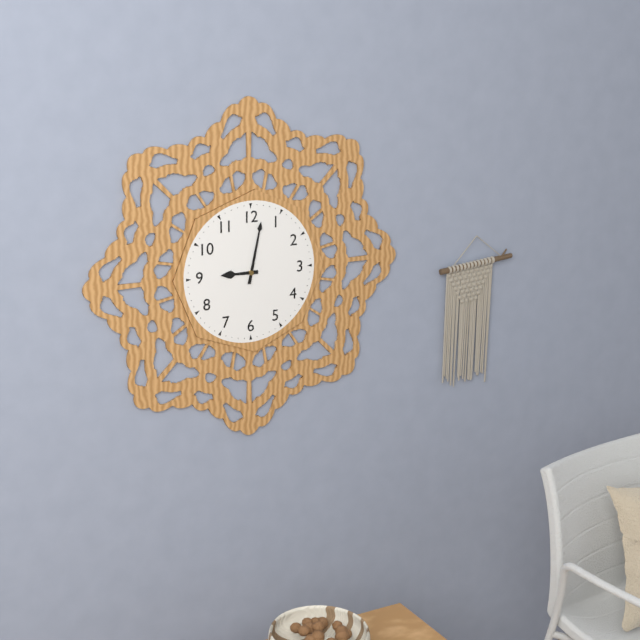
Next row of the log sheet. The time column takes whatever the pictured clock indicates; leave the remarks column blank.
9:02
